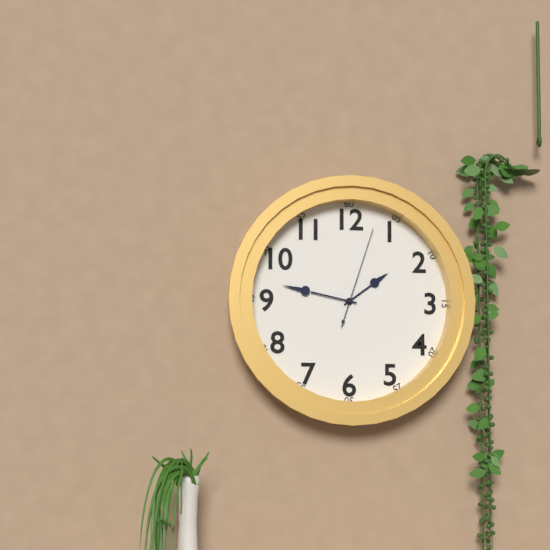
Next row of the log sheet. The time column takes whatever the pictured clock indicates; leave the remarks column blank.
1:47:03
